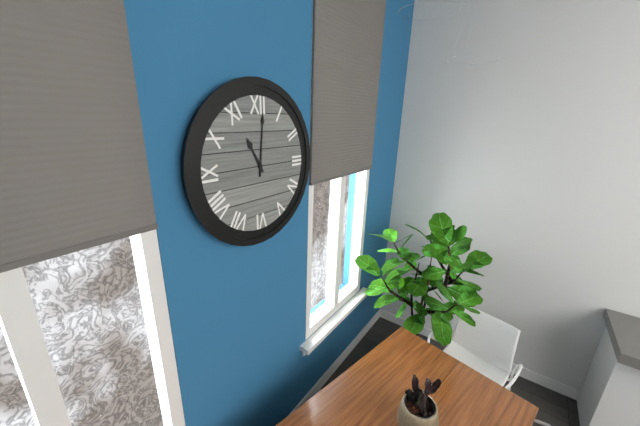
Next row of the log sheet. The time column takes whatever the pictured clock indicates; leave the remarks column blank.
11:01
